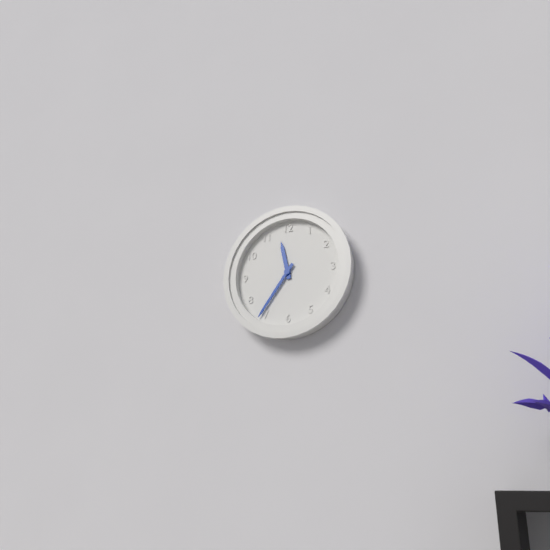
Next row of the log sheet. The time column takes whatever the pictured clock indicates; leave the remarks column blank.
11:36
